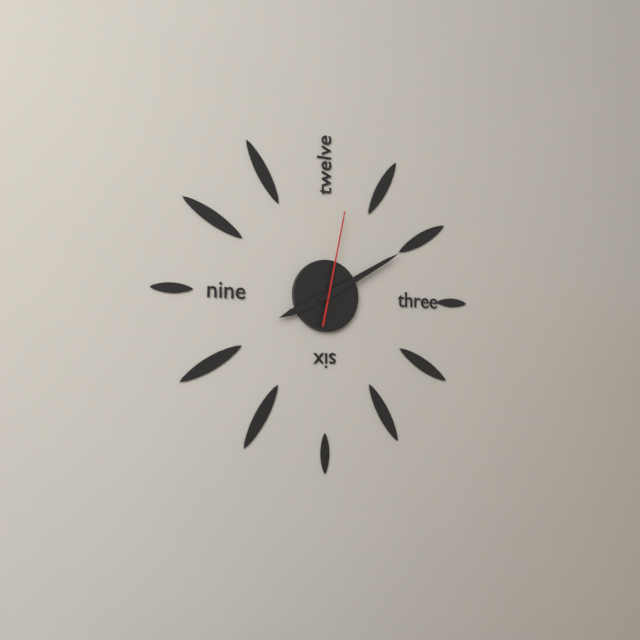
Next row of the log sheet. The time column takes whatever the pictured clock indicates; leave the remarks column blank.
8:10:02
